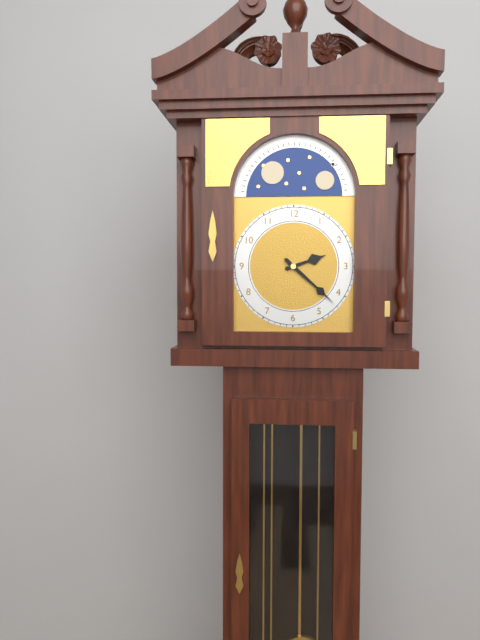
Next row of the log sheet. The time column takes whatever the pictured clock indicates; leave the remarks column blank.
2:22
